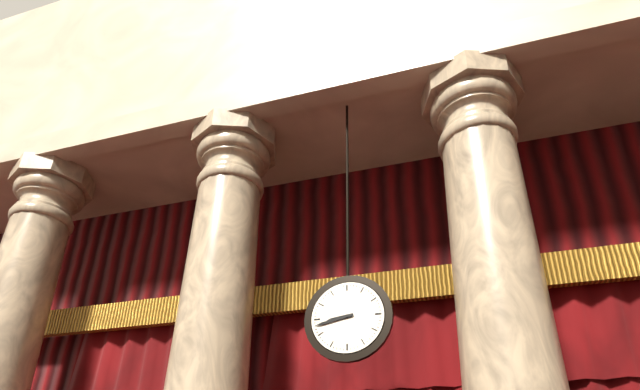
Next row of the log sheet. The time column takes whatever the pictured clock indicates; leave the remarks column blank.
8:43
